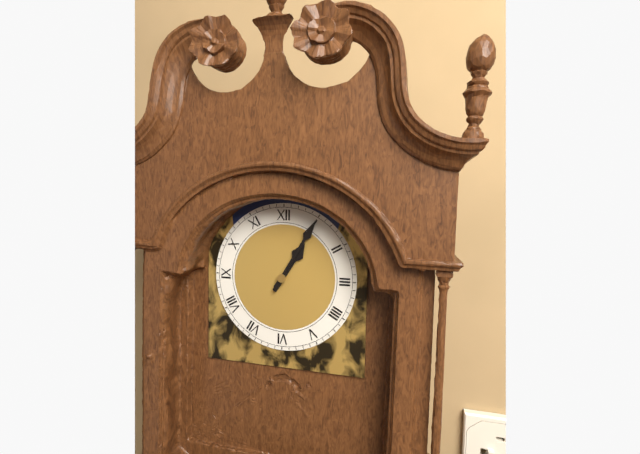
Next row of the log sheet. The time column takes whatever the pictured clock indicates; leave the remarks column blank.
1:05
